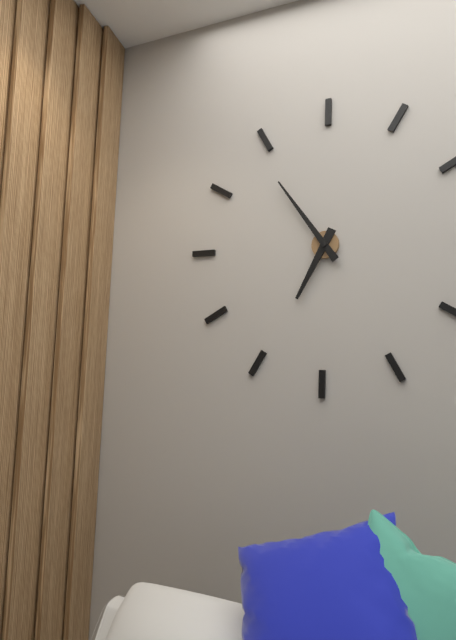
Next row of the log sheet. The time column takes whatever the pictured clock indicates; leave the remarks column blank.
6:54
